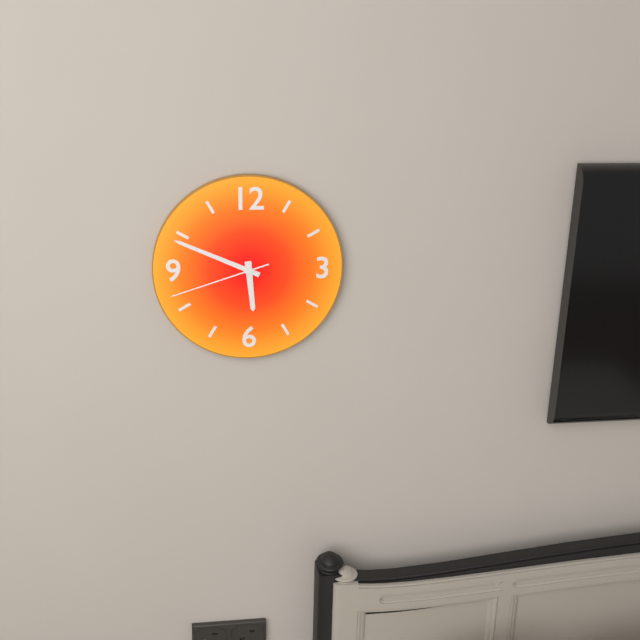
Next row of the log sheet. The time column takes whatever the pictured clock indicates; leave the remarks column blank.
5:49:42
